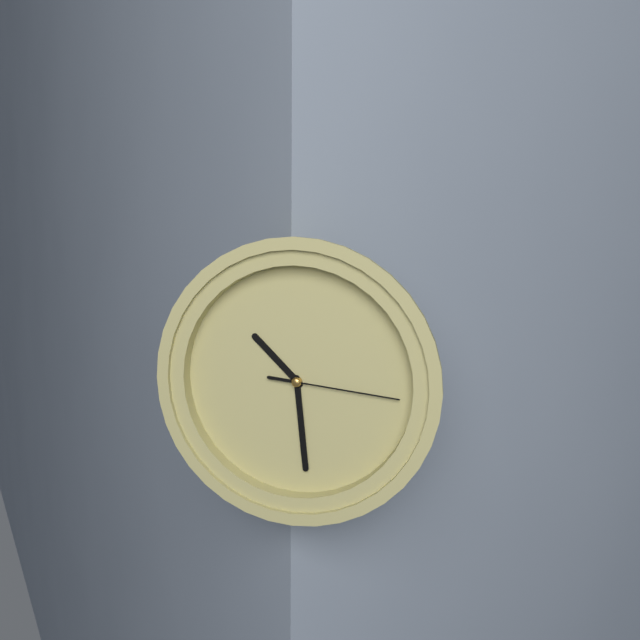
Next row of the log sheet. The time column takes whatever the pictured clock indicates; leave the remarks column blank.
10:29:16
